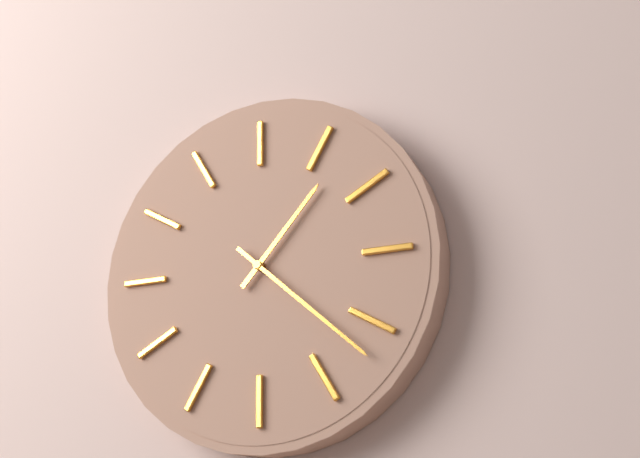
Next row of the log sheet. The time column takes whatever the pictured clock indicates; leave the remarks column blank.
1:22
